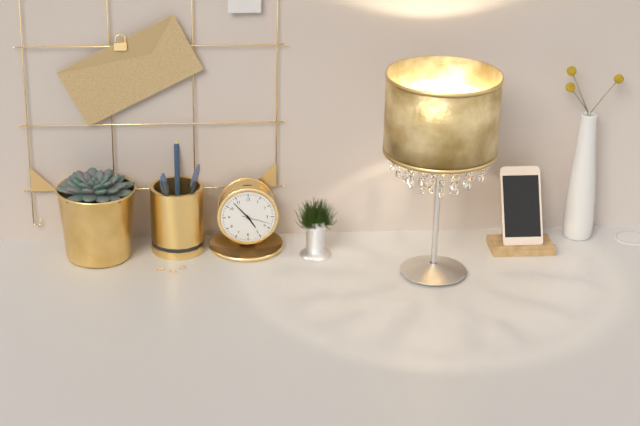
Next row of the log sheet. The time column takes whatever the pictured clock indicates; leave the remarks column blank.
4:53
